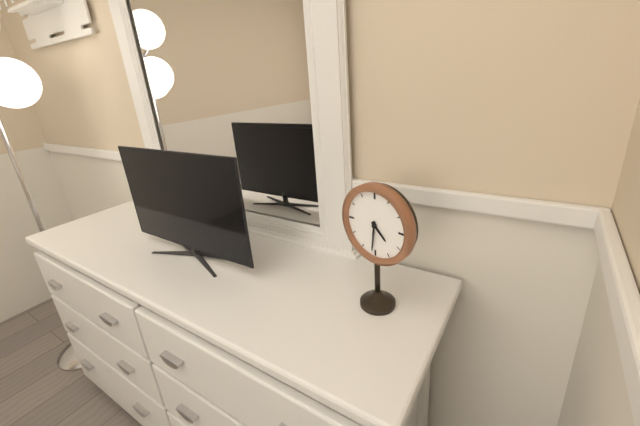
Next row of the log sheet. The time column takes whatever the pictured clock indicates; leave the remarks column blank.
4:31
